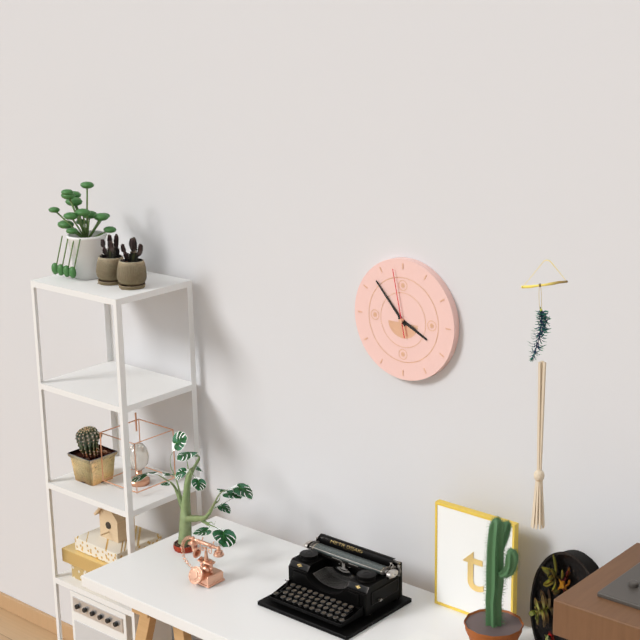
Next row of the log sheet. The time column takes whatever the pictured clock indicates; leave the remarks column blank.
3:53:58
